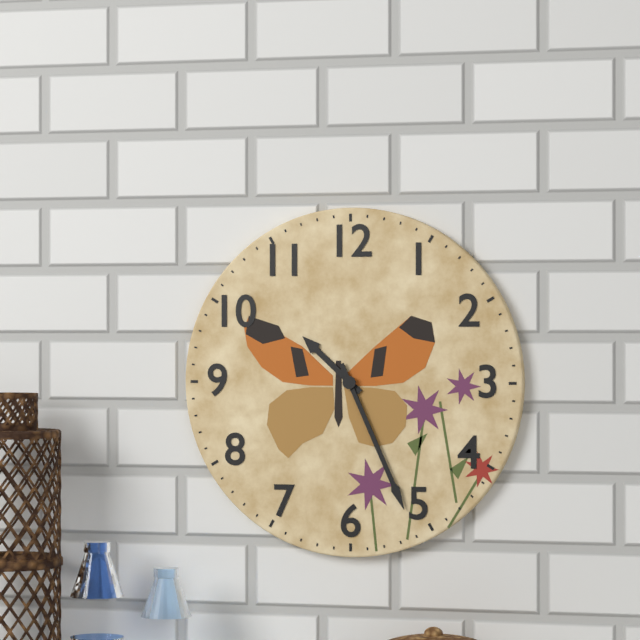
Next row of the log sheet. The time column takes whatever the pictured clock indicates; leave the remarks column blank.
10:26
